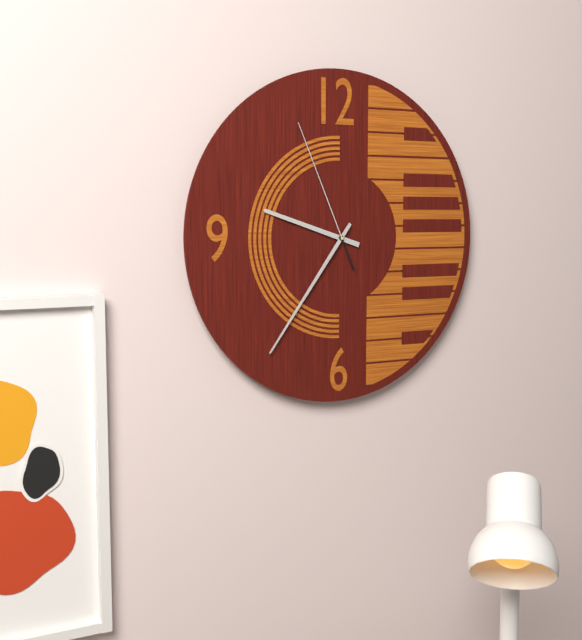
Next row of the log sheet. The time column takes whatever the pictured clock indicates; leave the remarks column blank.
9:36:56
